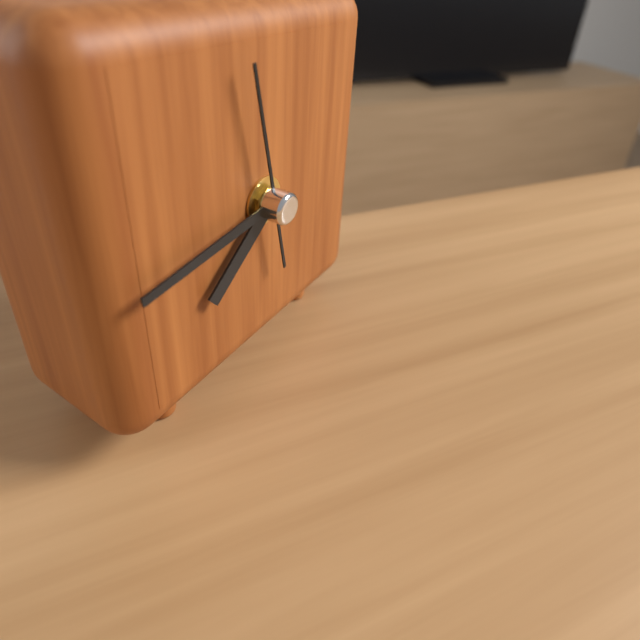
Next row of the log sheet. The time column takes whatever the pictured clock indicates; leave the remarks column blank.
7:44:58
